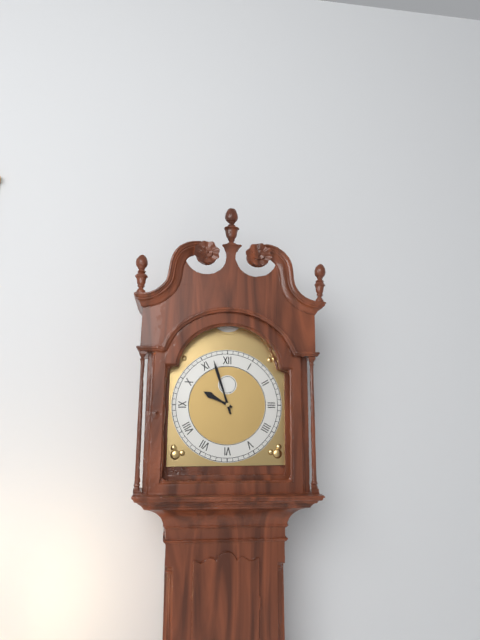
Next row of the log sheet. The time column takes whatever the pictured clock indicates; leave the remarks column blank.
9:57
